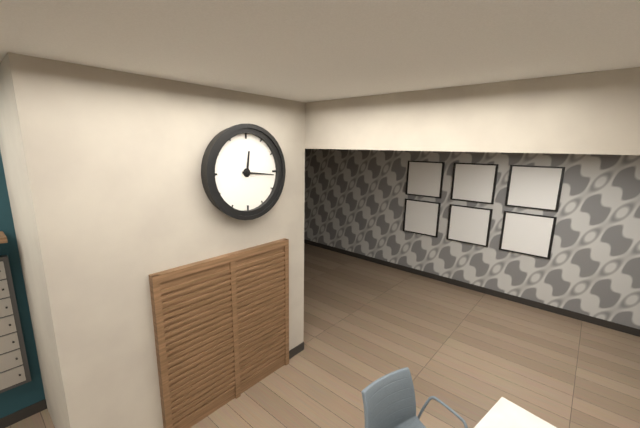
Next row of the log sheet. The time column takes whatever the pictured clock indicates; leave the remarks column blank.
12:16
